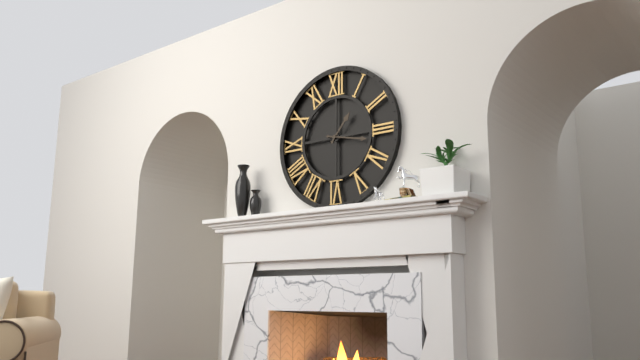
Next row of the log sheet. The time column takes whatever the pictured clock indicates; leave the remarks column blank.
1:17
